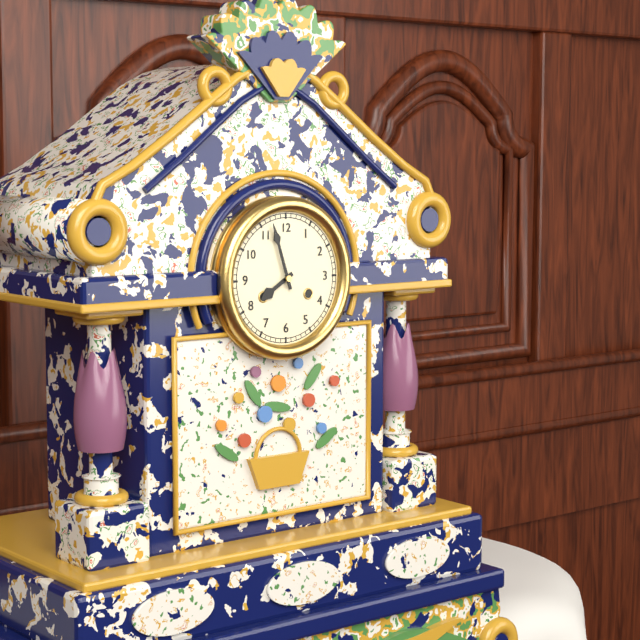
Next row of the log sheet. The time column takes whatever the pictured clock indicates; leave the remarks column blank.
7:57
